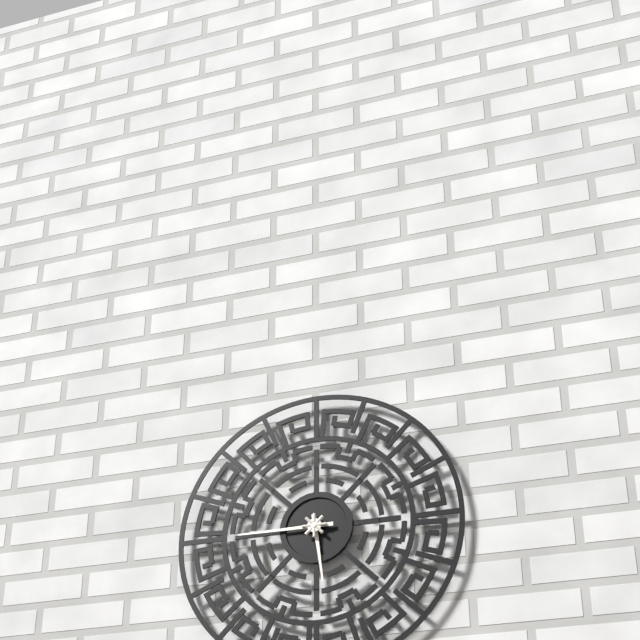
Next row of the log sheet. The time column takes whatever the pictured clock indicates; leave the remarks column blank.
5:45
